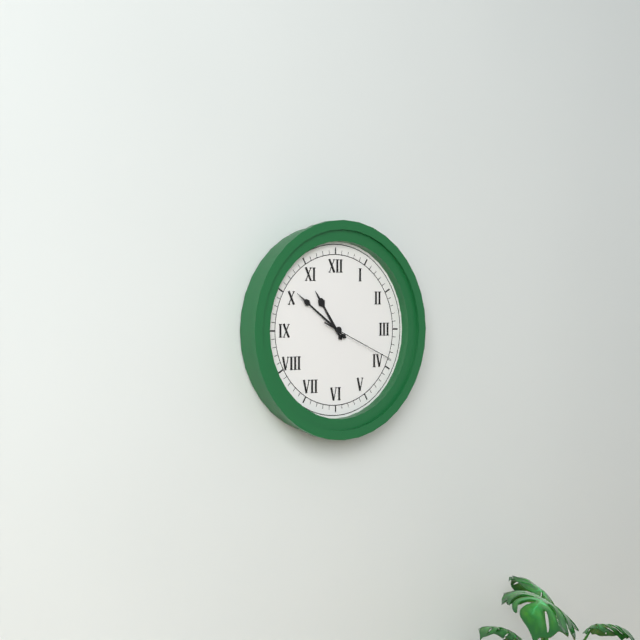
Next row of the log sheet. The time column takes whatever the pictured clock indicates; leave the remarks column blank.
10:51:19
